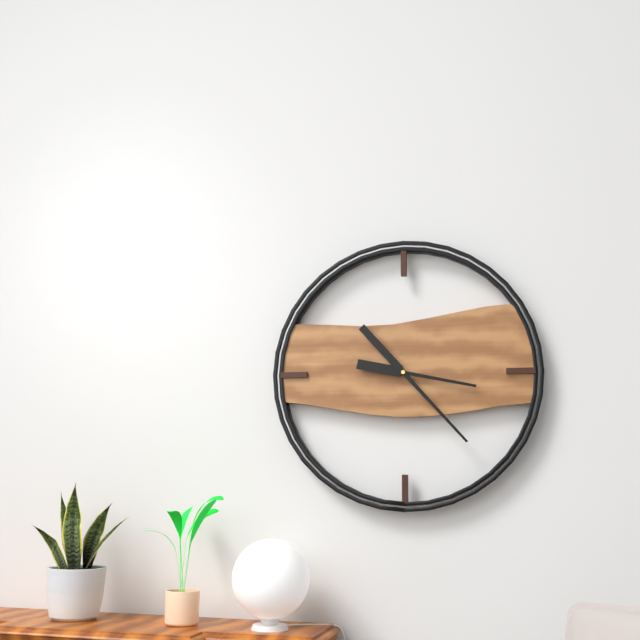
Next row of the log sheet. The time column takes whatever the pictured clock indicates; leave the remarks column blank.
3:23
